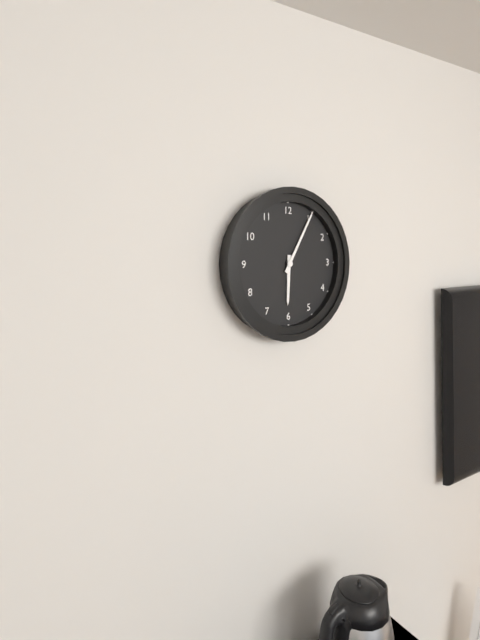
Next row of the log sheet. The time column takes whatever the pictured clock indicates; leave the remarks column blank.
6:05
